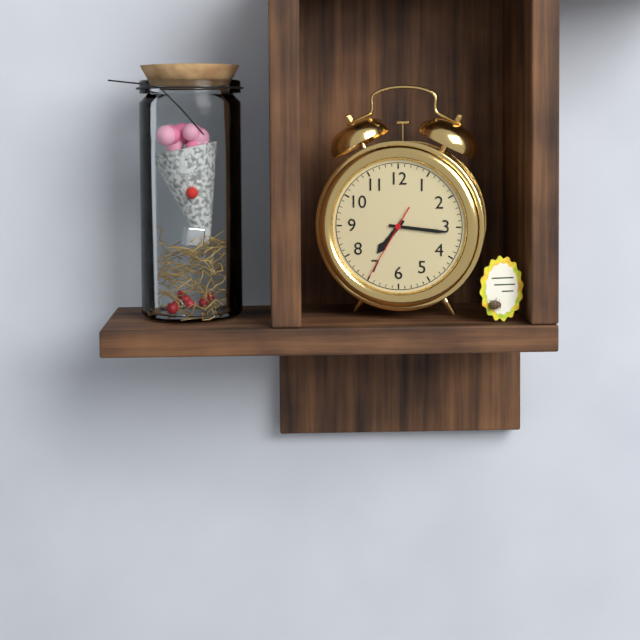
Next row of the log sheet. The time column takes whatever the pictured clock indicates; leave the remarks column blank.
7:16:35
